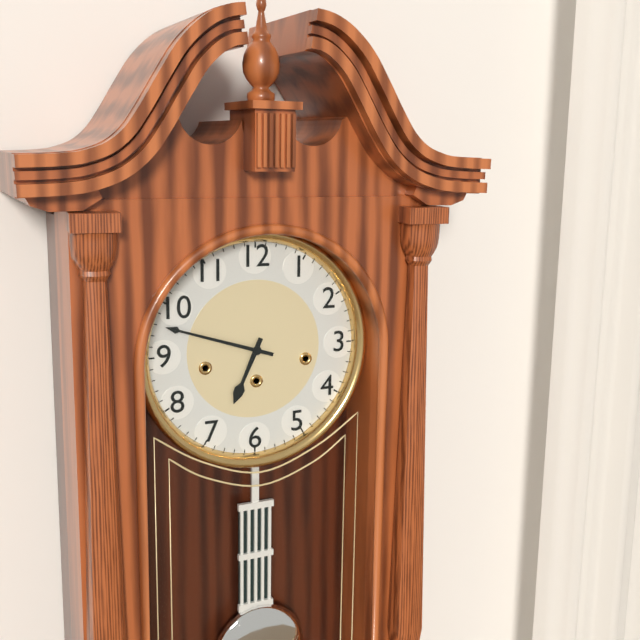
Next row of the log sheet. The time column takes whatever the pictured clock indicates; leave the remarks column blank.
6:48
